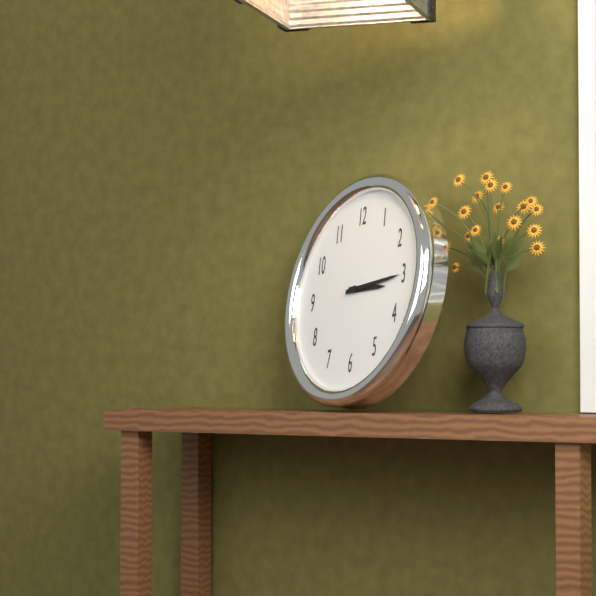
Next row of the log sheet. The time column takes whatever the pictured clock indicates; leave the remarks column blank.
3:15
